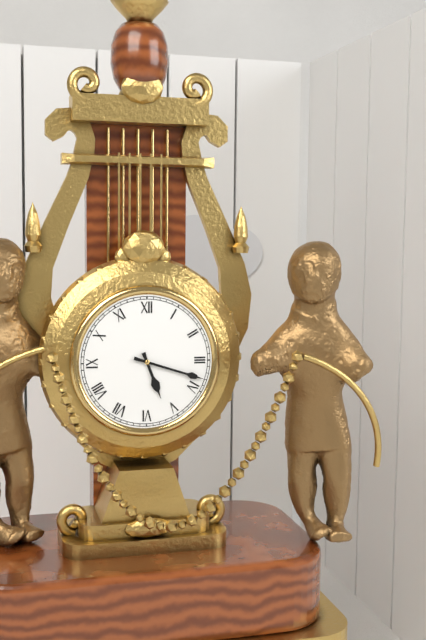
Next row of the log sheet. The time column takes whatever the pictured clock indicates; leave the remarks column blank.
5:18
